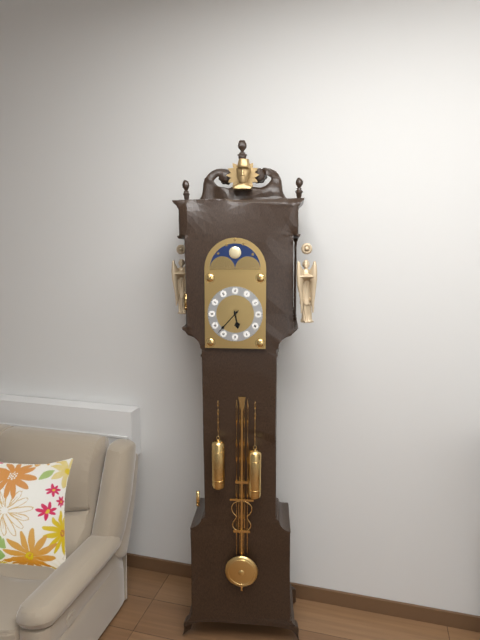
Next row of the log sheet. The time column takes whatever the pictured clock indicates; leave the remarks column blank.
5:37
